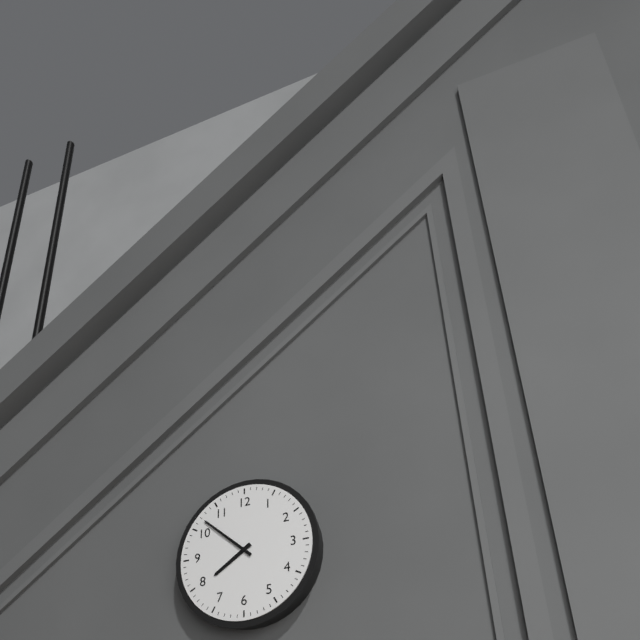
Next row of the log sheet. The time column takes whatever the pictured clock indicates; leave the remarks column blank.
7:52
